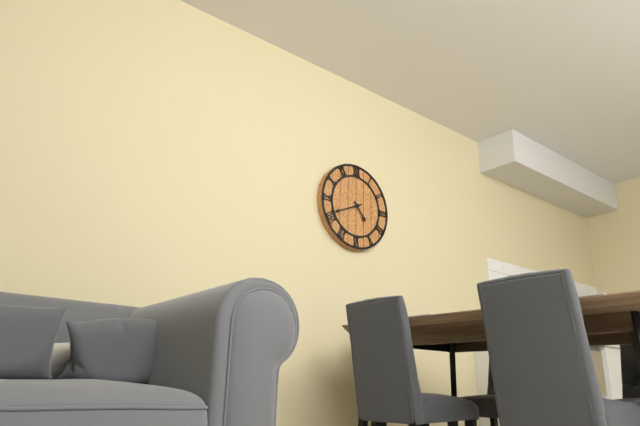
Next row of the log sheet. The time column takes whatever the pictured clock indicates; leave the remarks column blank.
4:41
